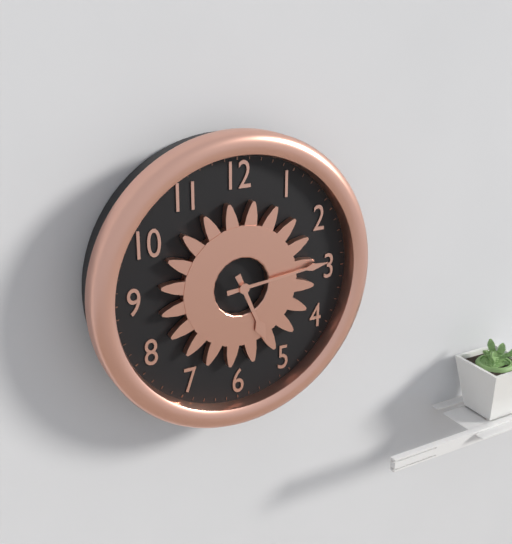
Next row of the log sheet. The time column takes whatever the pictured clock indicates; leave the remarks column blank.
5:14
